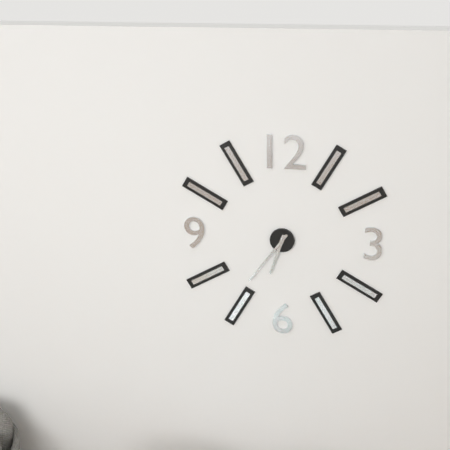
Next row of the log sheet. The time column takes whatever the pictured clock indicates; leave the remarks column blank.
6:36
